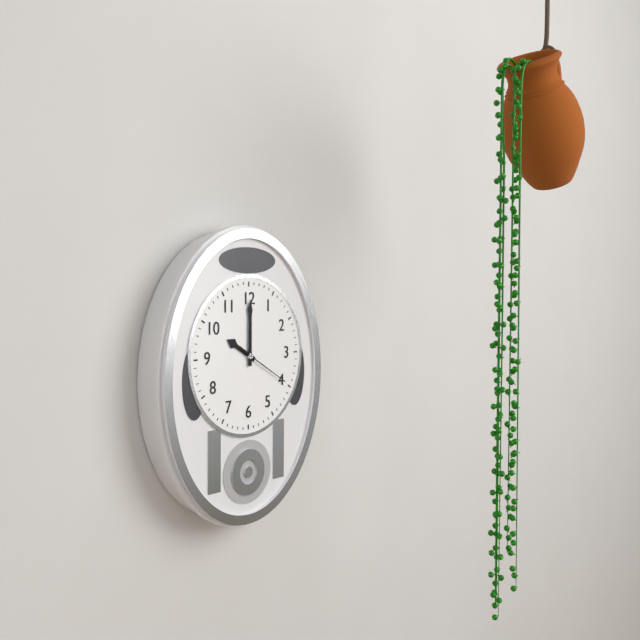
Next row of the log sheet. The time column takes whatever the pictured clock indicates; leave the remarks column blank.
10:00:20
